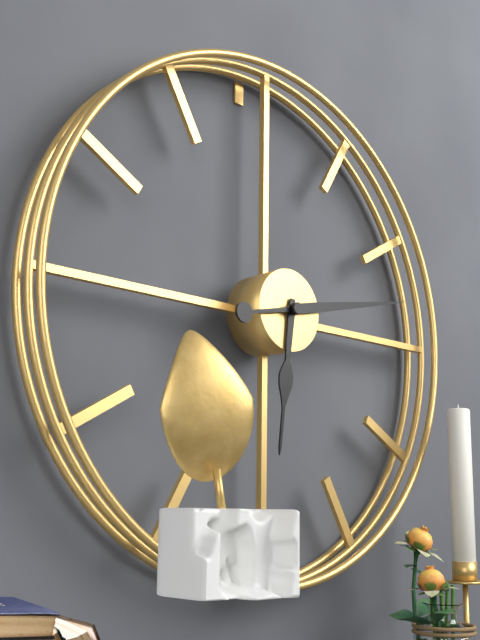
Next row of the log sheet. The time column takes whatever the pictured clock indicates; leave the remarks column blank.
6:13
